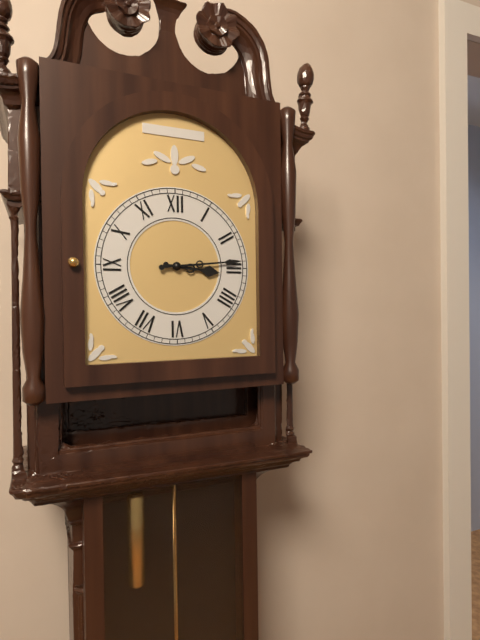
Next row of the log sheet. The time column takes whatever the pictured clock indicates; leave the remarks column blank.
3:14
